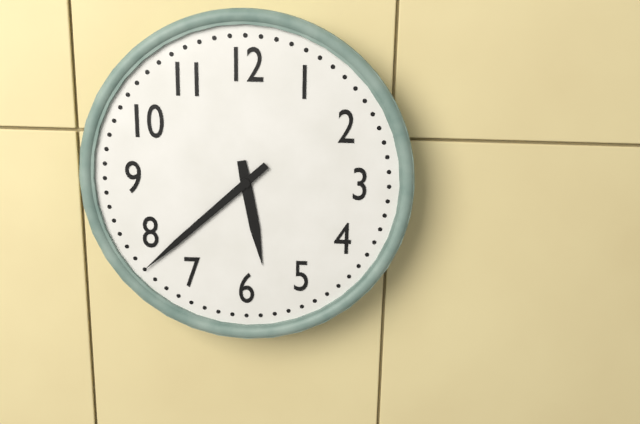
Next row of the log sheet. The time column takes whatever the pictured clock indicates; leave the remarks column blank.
5:38
